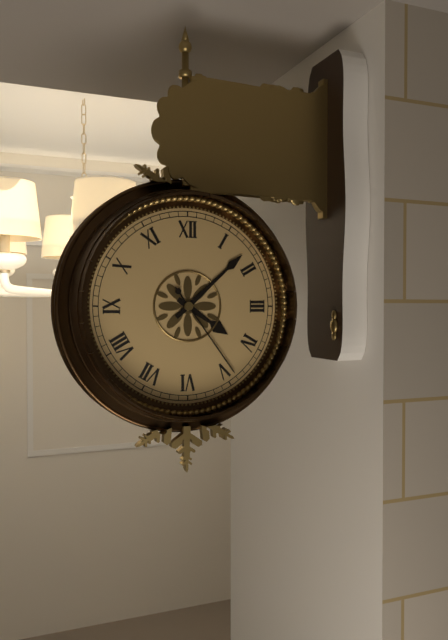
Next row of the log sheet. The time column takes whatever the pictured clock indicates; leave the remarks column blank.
4:08:24
